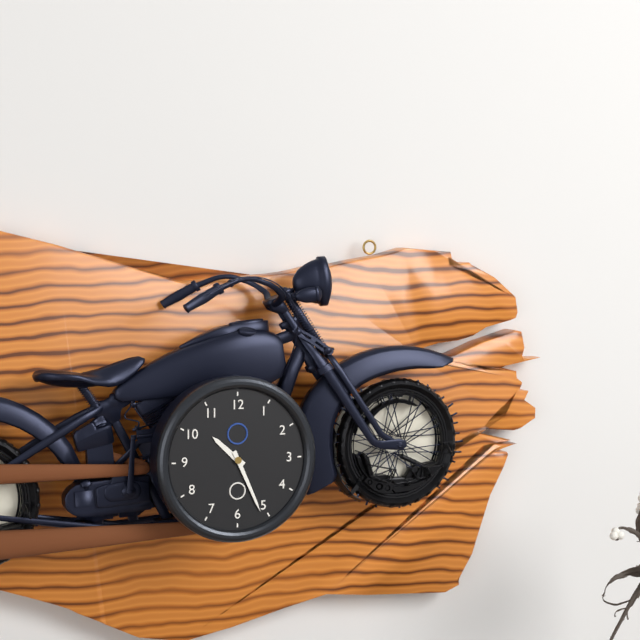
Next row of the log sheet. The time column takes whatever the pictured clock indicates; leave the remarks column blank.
10:26
